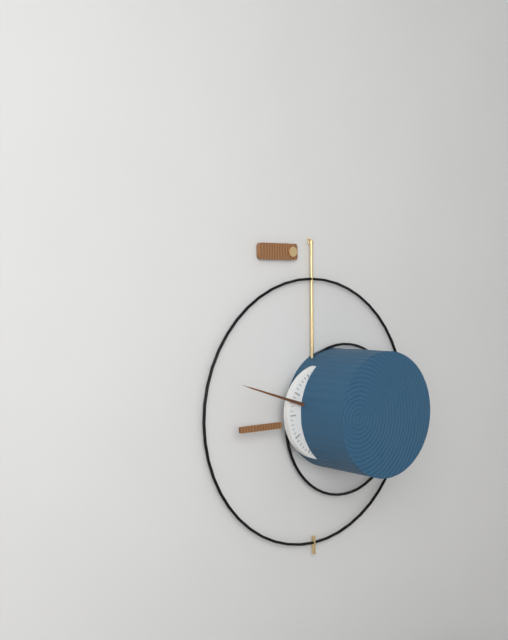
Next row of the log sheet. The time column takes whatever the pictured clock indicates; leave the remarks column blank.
1:48
